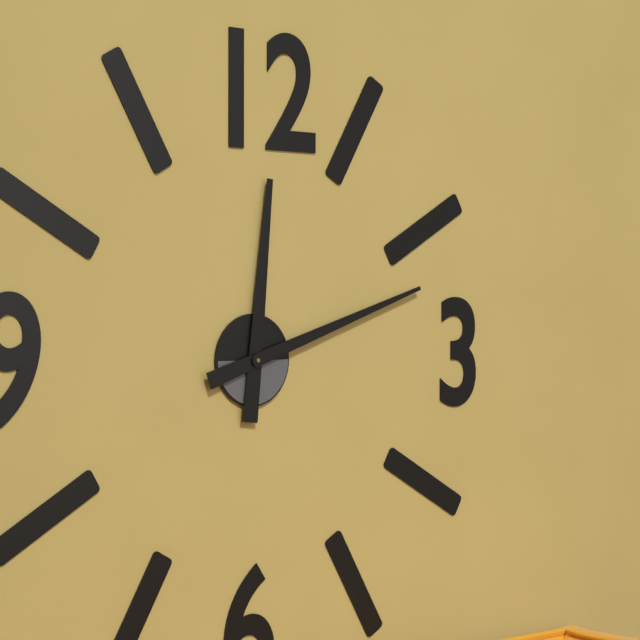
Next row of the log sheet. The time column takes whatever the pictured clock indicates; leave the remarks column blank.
12:12
